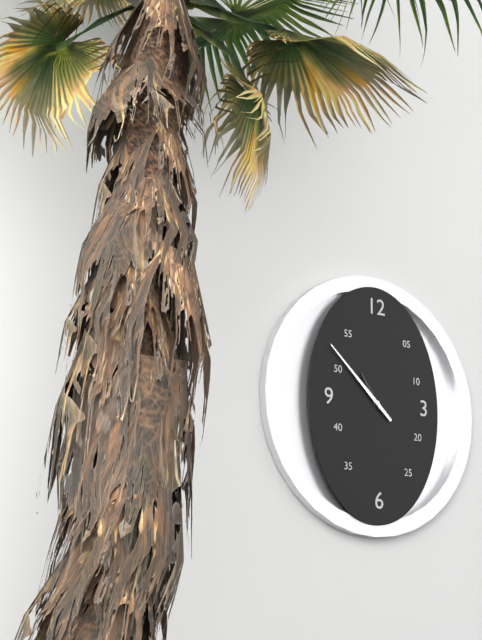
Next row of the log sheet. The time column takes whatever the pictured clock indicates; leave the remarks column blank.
10:52
